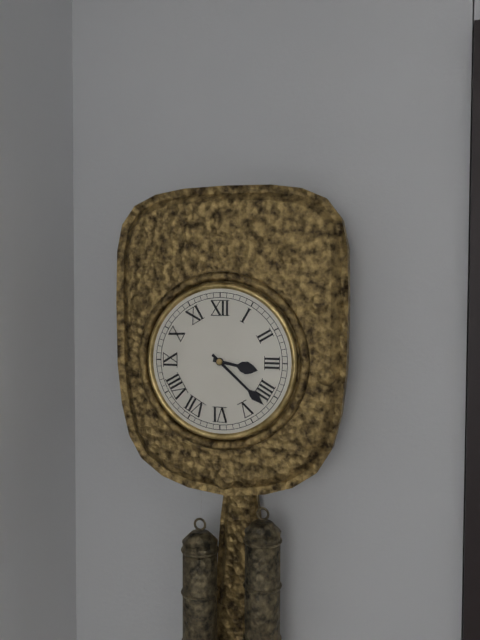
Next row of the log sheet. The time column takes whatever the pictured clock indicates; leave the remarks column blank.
3:22
